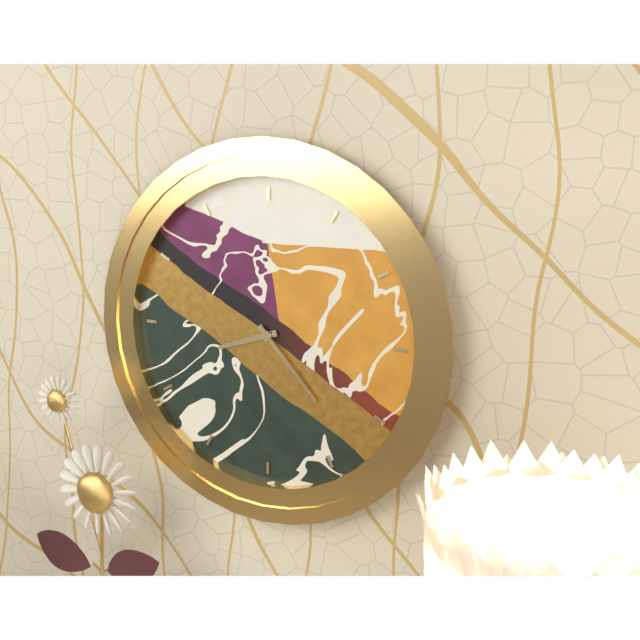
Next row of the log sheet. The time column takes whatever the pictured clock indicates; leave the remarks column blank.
8:23
